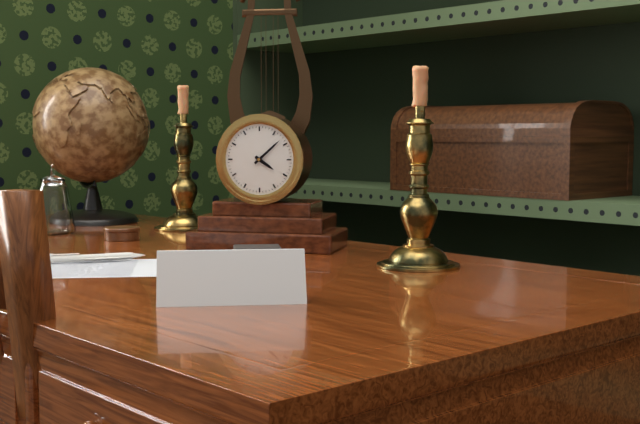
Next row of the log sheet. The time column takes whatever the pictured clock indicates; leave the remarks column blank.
4:08
